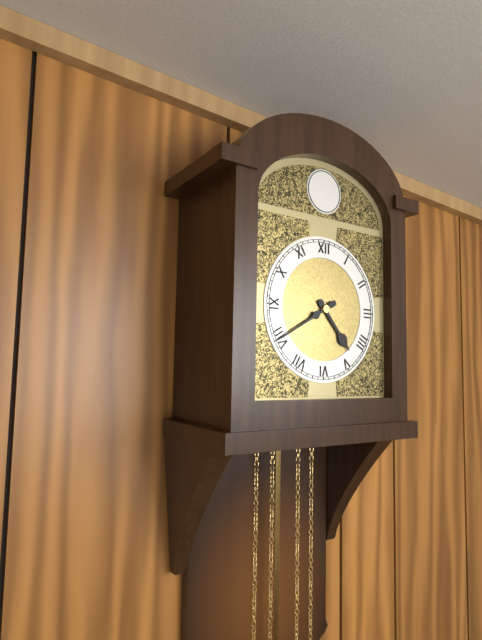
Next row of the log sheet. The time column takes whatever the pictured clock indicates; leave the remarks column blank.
4:40
